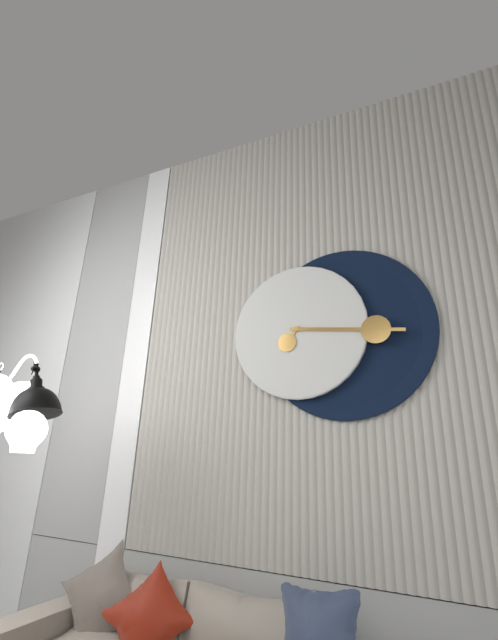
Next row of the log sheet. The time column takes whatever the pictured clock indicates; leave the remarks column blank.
7:16
